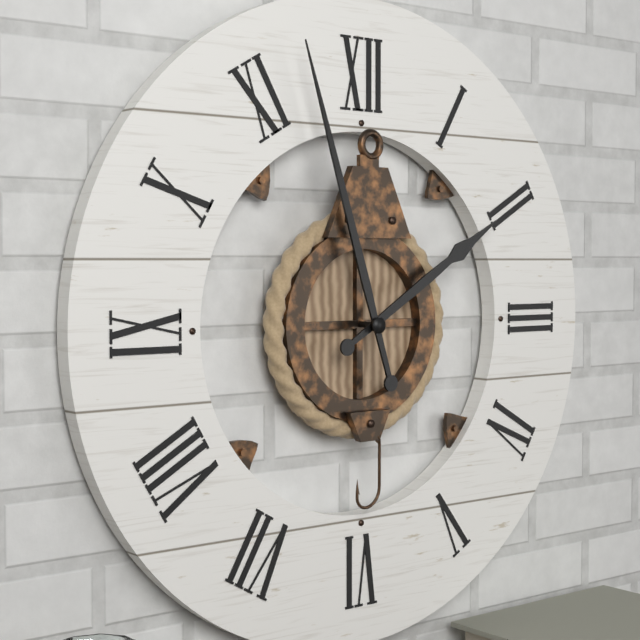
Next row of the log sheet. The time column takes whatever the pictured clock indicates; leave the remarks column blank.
1:57
